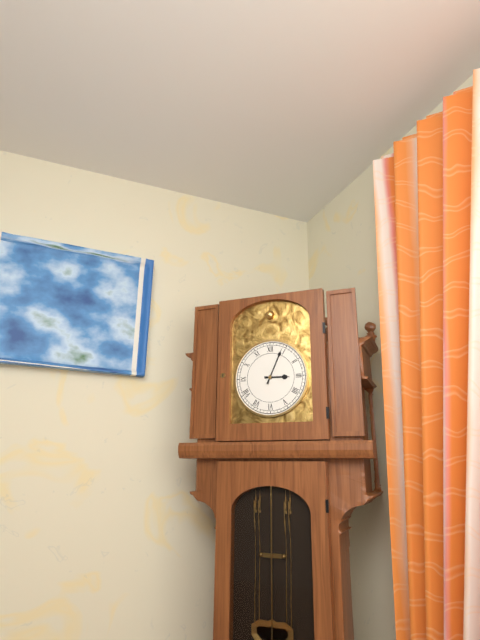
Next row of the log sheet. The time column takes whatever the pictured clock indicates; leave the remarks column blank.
3:04
